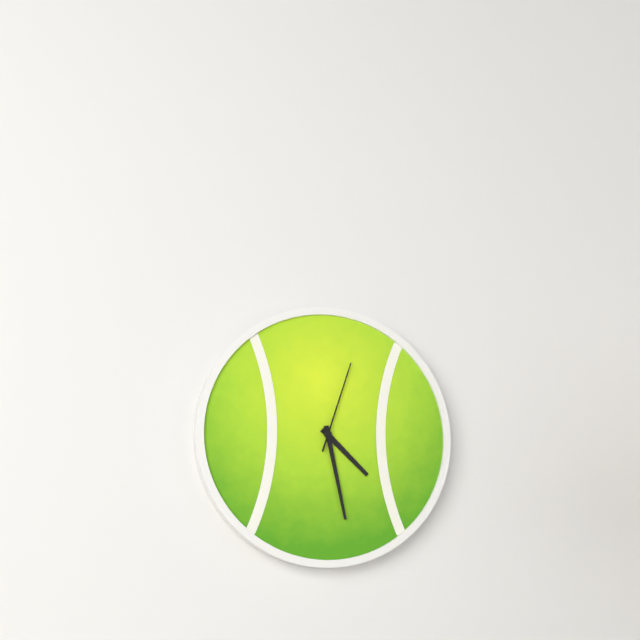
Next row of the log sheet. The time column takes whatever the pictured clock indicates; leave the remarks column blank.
4:28:03
